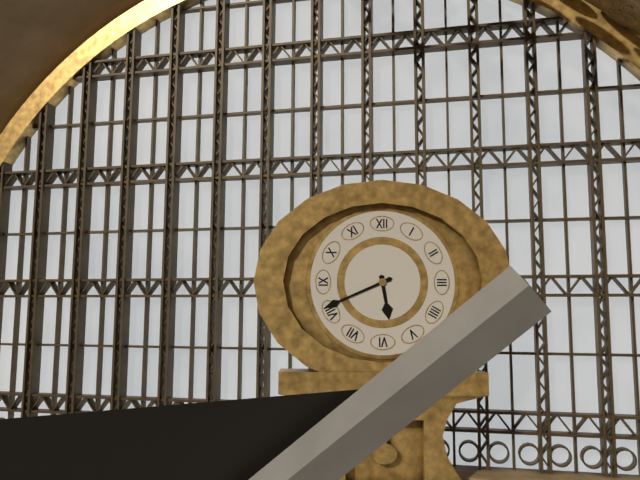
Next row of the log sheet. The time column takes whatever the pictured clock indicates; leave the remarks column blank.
5:41
